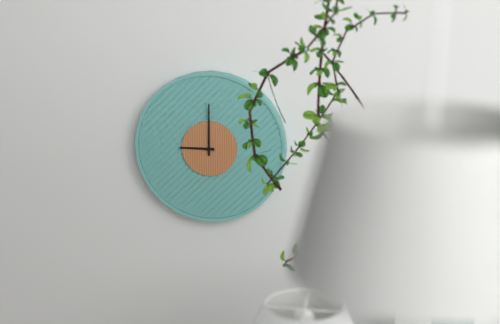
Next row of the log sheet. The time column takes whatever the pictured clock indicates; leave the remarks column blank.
9:00
